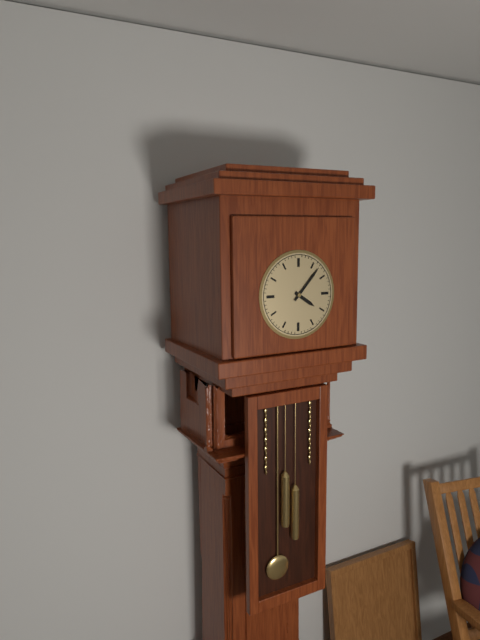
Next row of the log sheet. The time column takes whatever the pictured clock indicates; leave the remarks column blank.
4:07
